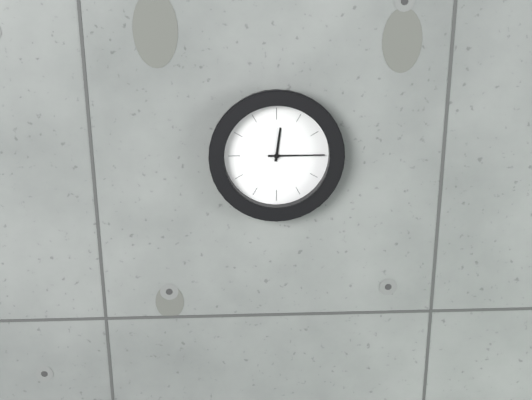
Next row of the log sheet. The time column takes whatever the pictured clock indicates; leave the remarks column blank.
12:15
